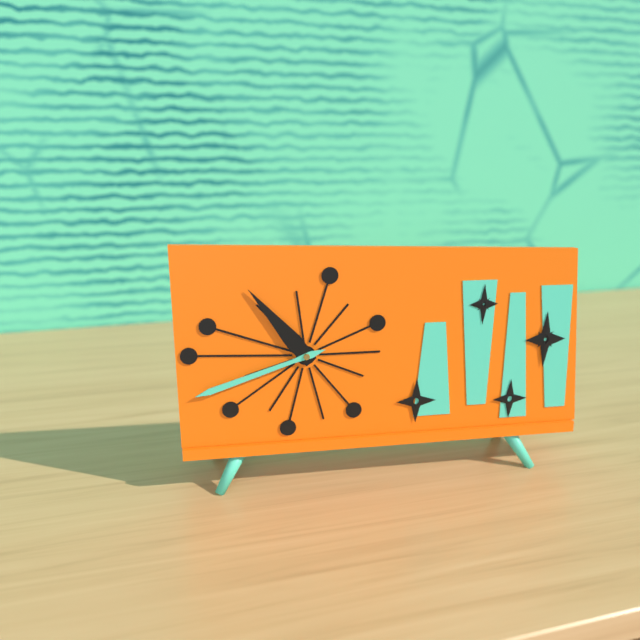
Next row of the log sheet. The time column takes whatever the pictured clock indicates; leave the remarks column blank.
10:42
